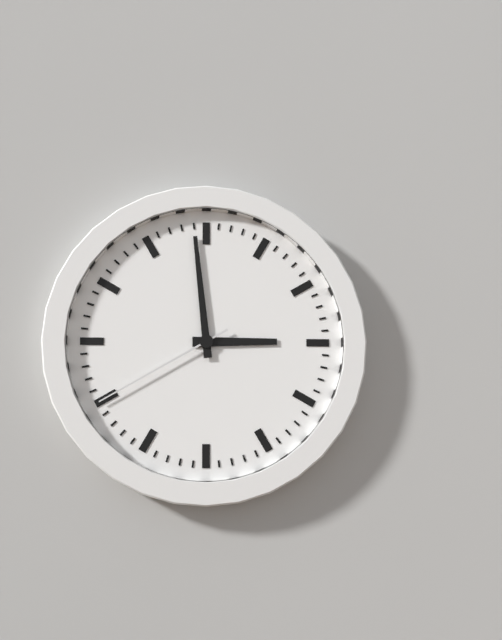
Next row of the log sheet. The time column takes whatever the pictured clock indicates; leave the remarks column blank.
2:59:40
